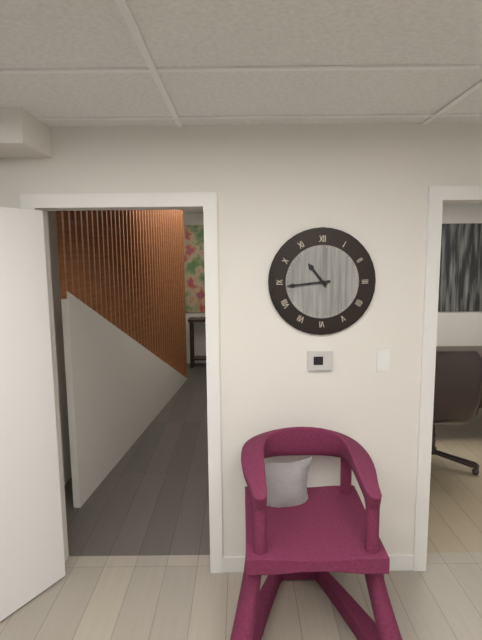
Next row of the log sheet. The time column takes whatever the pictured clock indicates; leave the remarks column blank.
10:44
